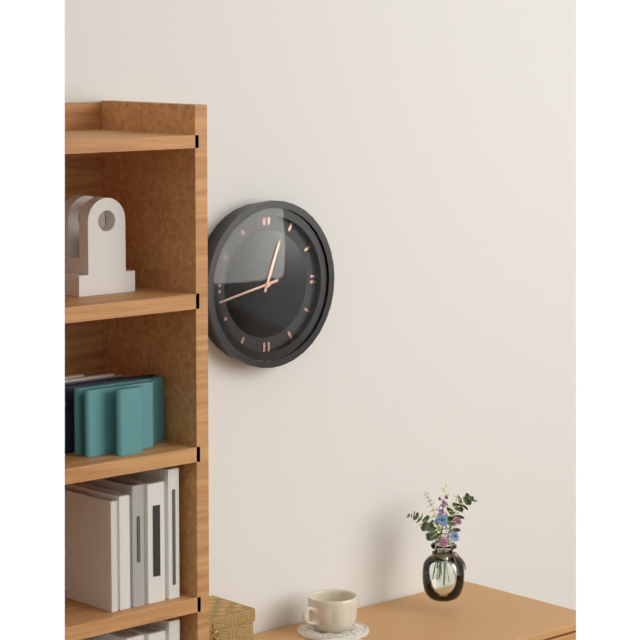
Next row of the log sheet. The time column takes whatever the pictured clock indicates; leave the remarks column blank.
12:43
